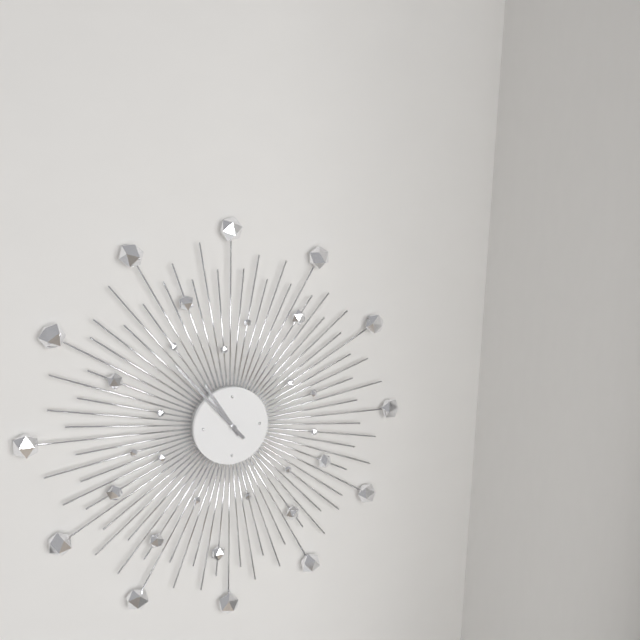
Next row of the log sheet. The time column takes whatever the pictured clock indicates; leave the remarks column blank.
10:53
